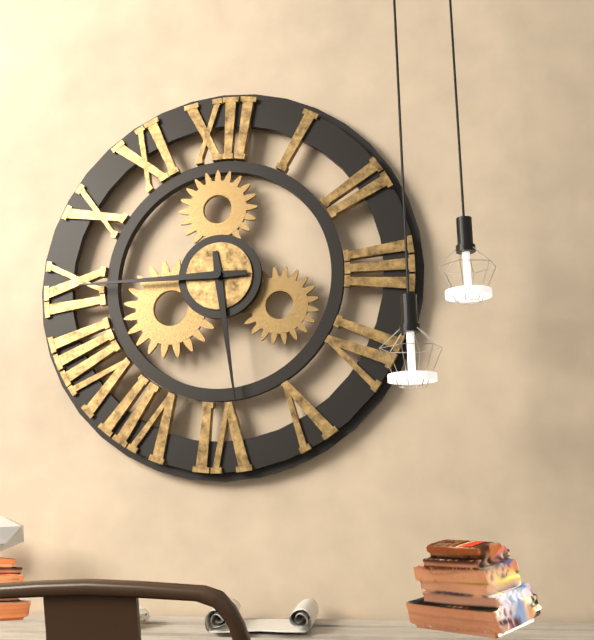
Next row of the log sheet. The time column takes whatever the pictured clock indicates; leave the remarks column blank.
5:45
